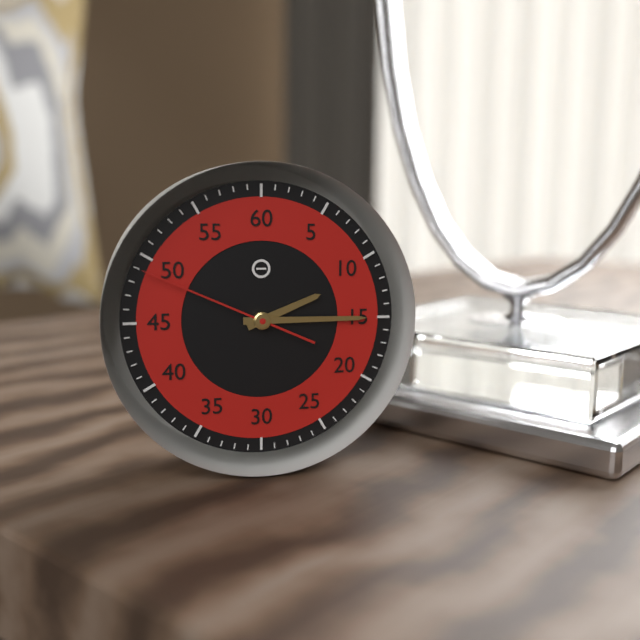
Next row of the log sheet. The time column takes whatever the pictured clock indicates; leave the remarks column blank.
2:15:49
